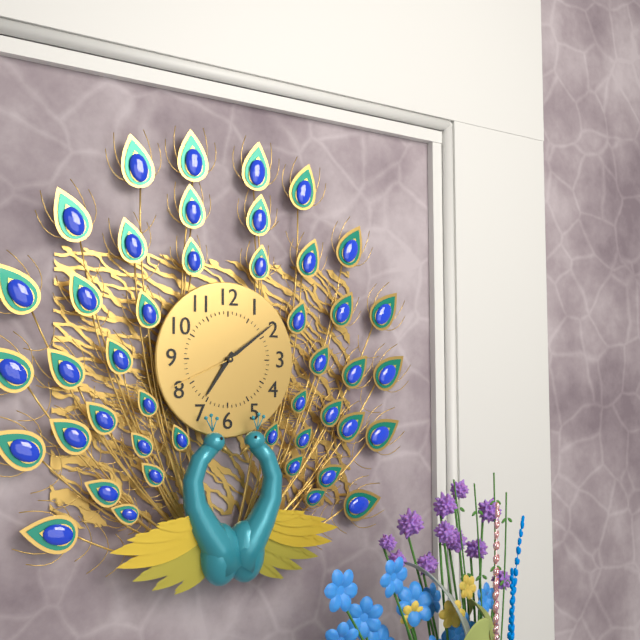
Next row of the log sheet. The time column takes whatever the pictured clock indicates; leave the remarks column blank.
7:09:41
